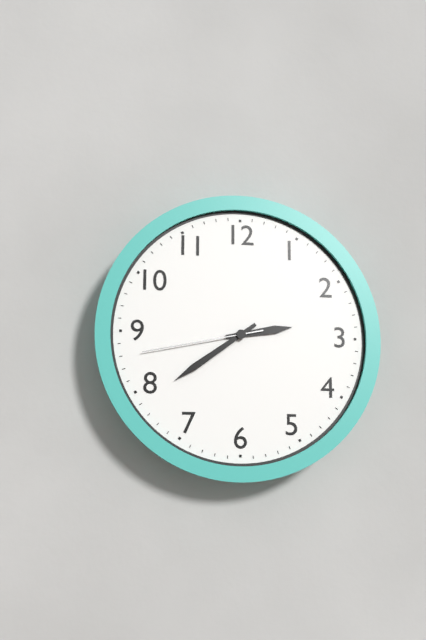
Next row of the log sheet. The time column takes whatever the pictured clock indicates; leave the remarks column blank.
2:39:43
